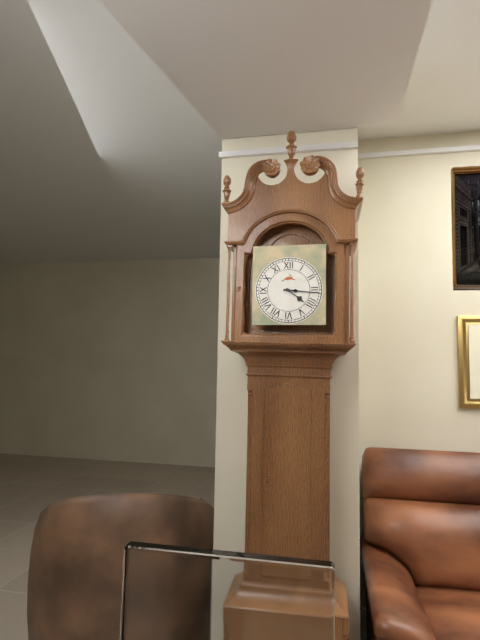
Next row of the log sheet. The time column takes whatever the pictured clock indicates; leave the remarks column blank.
4:16
